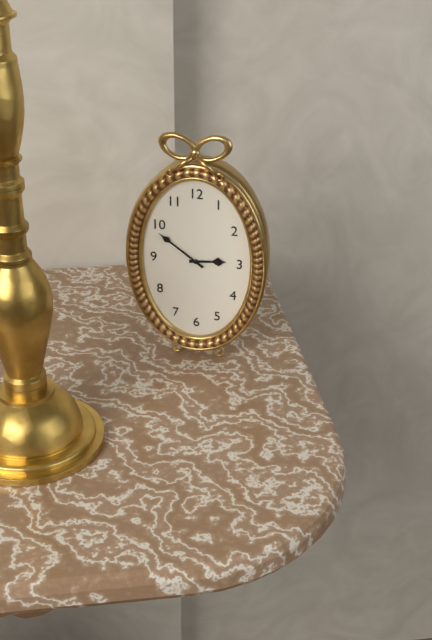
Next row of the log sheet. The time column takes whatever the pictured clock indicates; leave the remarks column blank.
2:51
